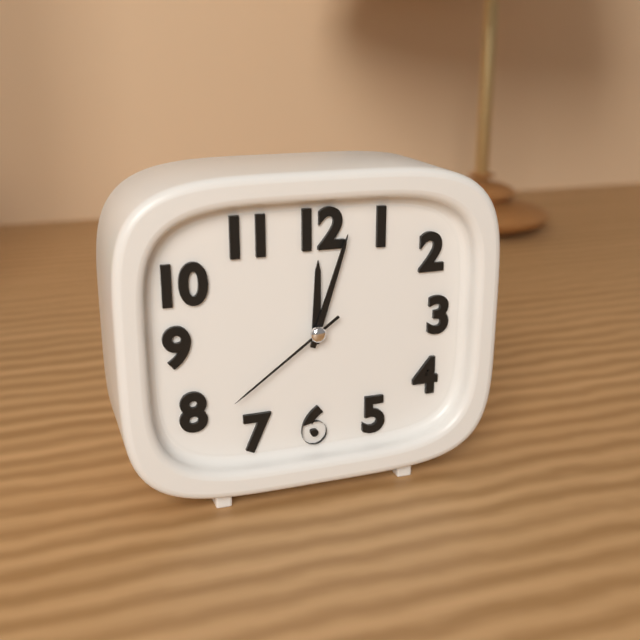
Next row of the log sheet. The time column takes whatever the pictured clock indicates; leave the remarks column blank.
12:03:39
